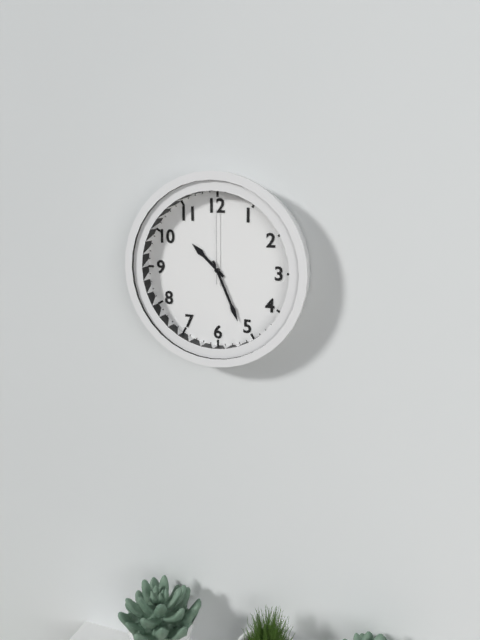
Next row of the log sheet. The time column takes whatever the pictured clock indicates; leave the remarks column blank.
10:26:00
